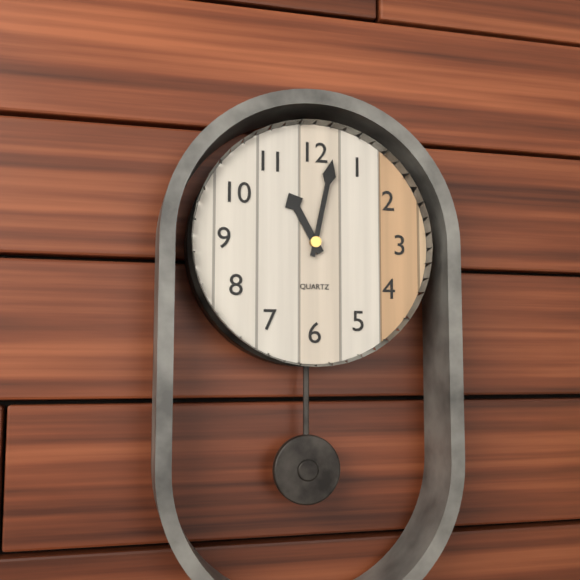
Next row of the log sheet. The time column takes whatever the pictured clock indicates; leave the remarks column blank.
11:02
